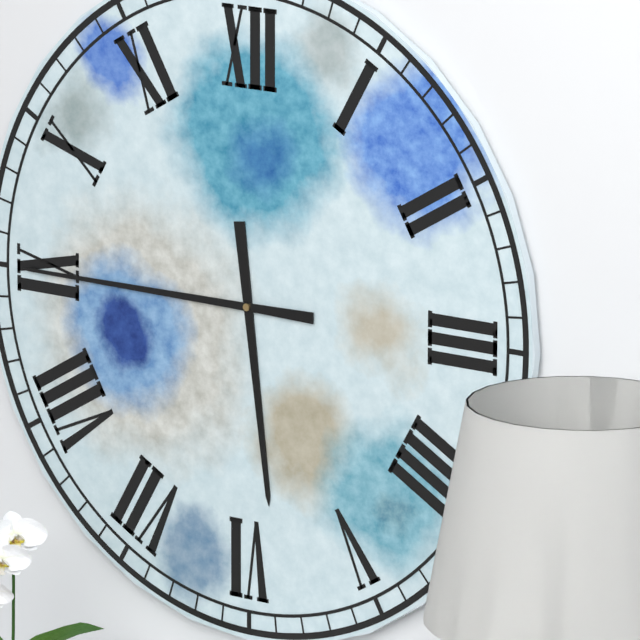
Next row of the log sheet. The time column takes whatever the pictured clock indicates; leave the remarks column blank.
5:45
